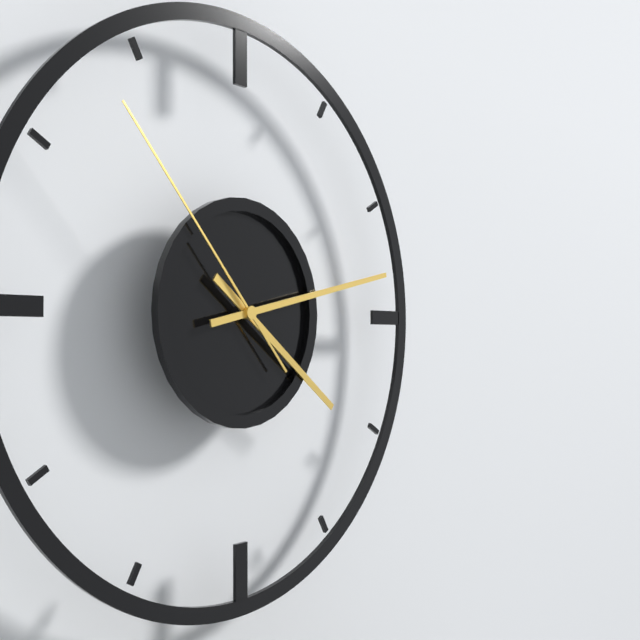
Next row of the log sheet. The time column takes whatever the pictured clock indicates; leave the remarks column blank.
4:13:53
